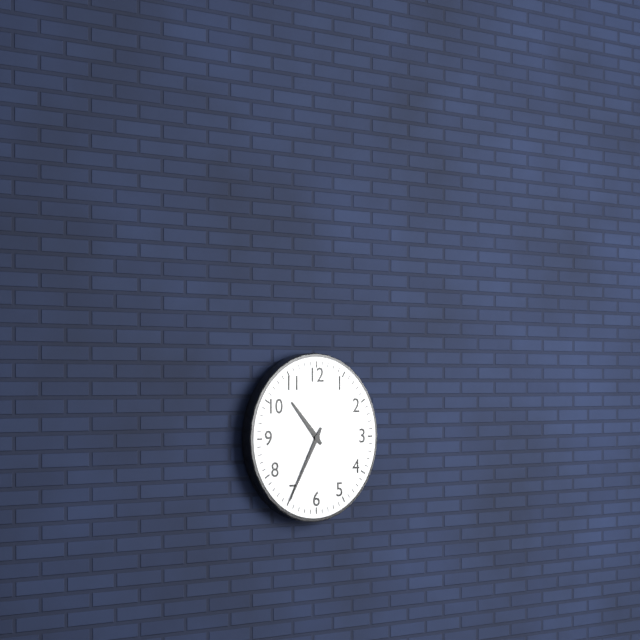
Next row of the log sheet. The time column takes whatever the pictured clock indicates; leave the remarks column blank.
10:35
